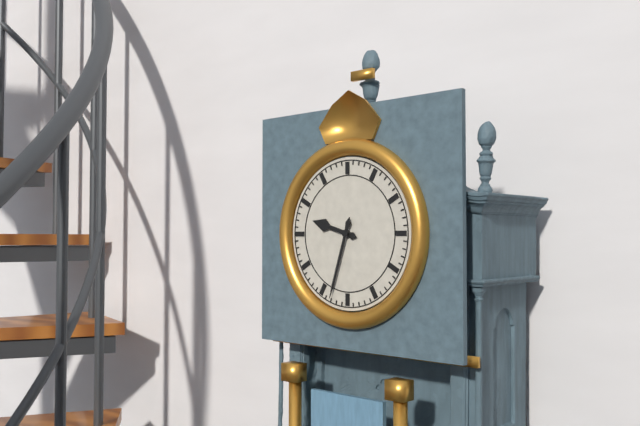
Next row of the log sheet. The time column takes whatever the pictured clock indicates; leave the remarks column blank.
9:33
